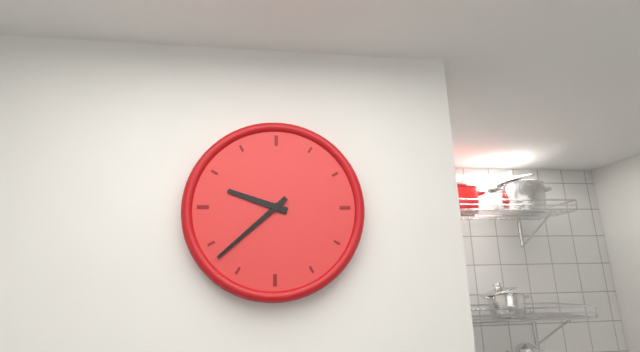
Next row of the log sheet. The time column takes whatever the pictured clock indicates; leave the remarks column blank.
9:38
